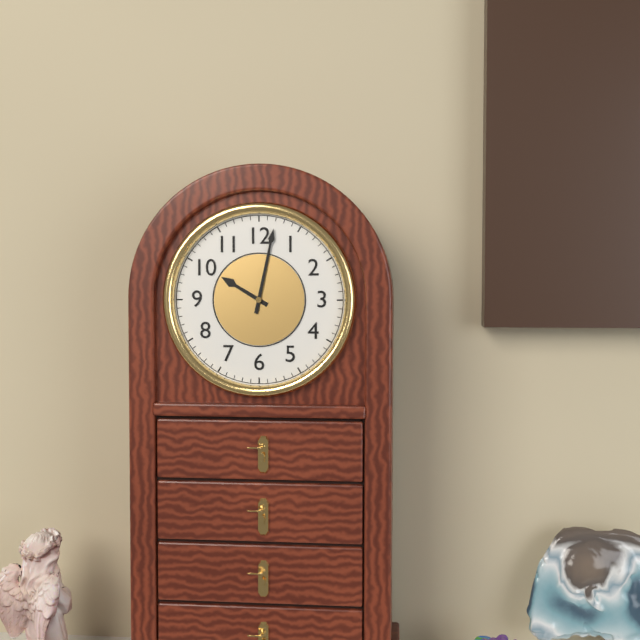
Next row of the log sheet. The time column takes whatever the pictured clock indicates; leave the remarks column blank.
10:02
